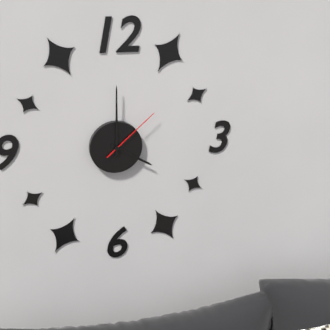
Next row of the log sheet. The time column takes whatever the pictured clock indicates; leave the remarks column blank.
4:00:08
